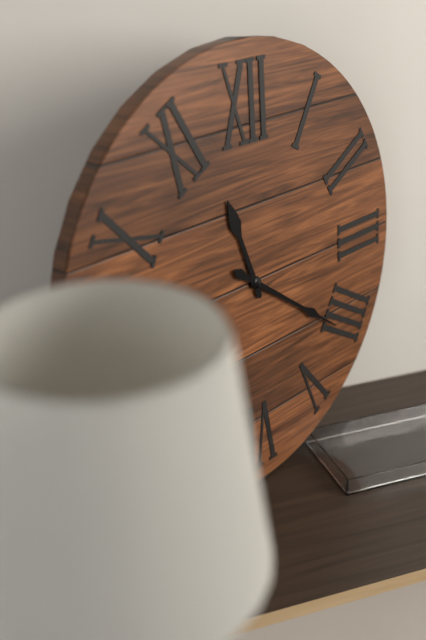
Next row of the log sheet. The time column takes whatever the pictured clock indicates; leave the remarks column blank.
11:21
